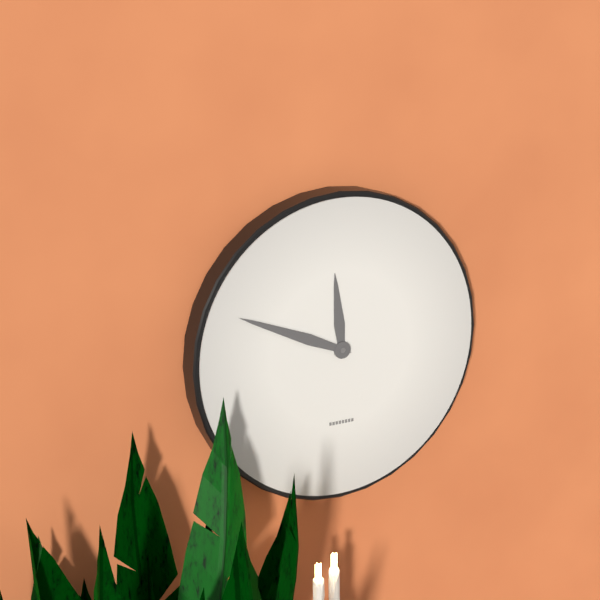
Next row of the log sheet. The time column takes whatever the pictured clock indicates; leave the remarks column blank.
11:49
